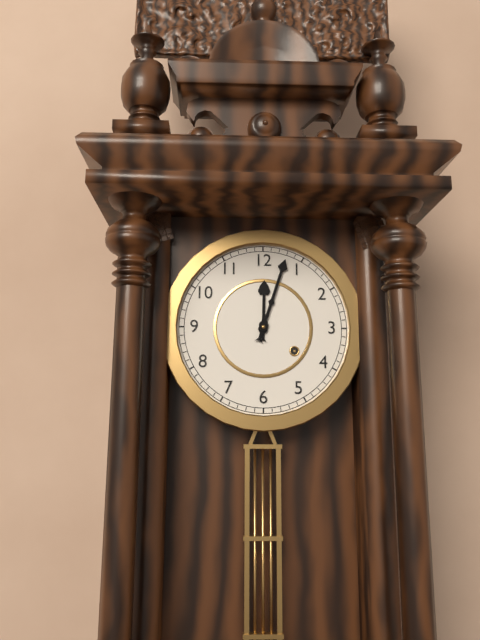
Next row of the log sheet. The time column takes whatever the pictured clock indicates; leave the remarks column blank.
12:03
